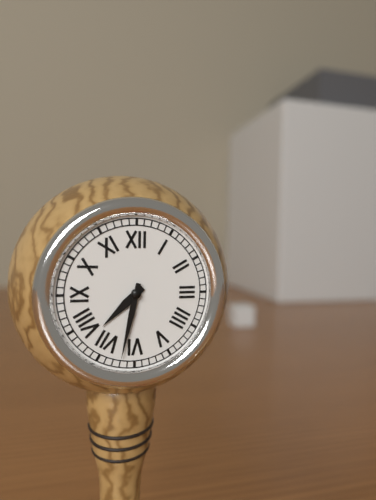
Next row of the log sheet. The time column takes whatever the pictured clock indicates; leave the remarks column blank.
7:32
